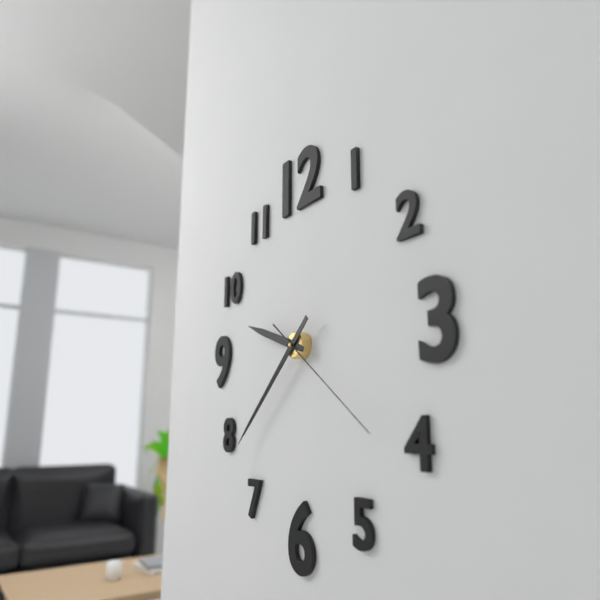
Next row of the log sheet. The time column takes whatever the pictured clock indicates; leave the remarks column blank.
9:38:21
